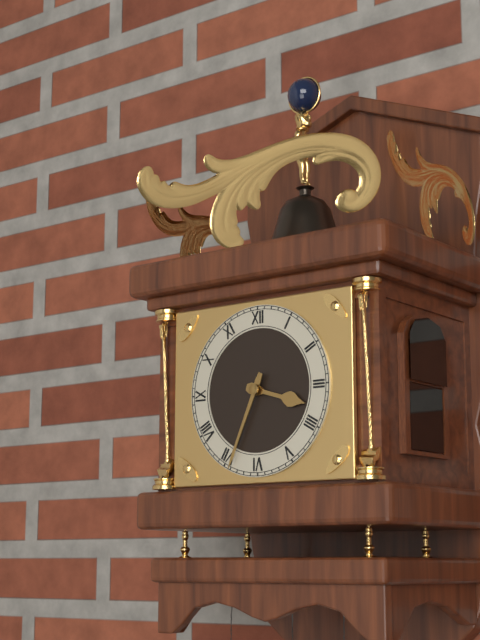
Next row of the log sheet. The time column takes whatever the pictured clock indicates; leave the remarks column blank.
3:34
